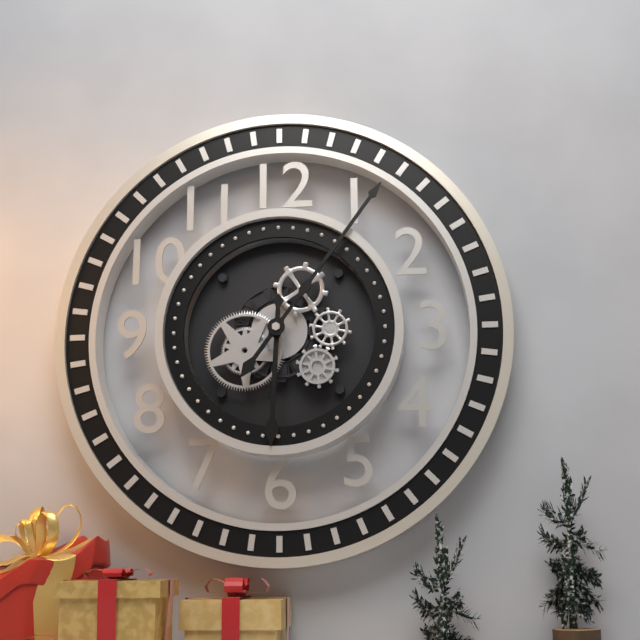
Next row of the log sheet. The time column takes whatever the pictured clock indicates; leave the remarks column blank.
6:06
